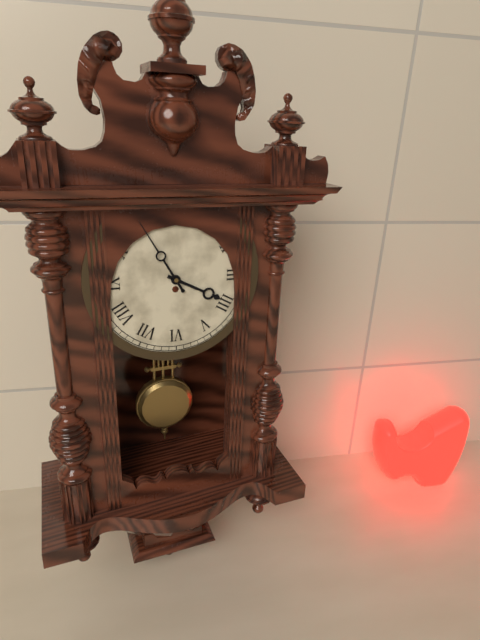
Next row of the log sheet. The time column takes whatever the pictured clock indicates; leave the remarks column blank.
3:55
